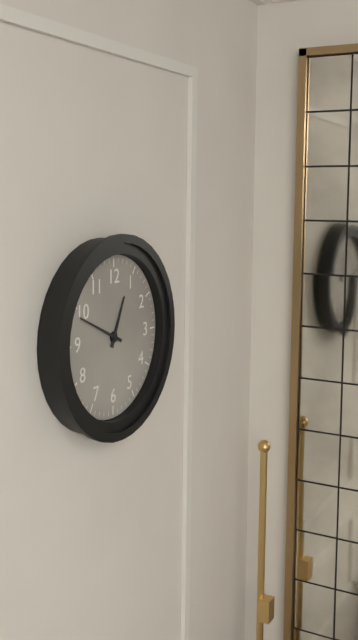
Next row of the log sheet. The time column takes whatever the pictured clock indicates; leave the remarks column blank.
12:49
